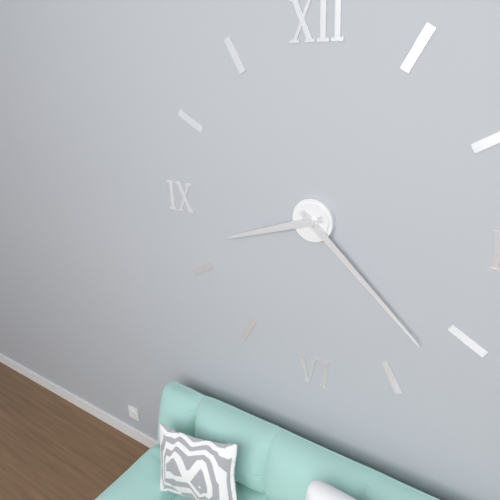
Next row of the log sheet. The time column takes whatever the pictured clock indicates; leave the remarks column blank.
8:22
